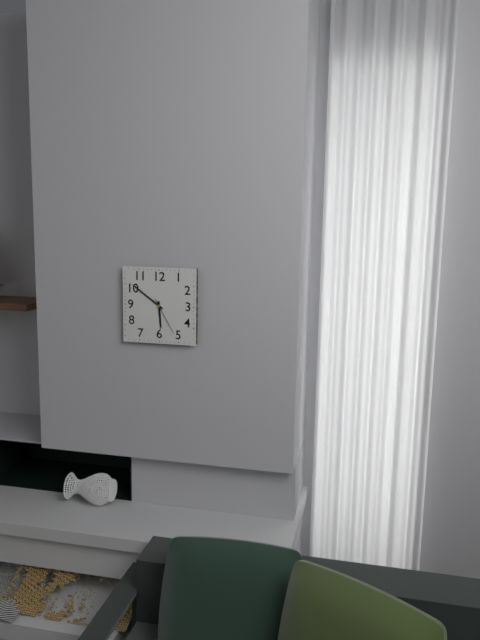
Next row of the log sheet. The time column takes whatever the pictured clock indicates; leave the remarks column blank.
5:51
